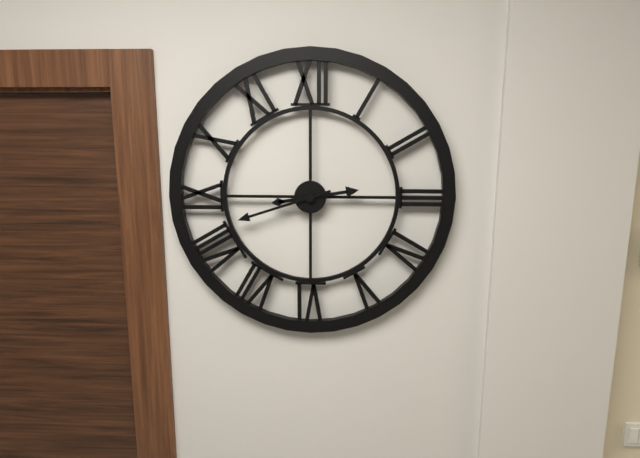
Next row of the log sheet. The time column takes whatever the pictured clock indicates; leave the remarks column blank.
2:42
